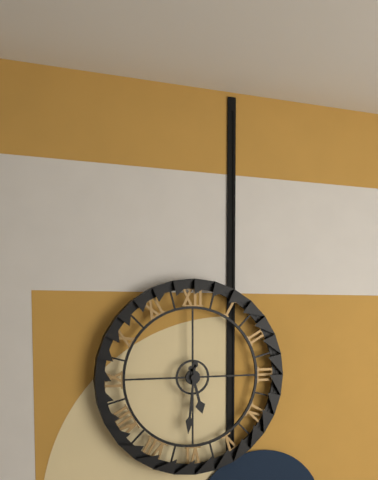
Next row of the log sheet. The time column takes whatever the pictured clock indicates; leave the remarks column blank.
5:31
